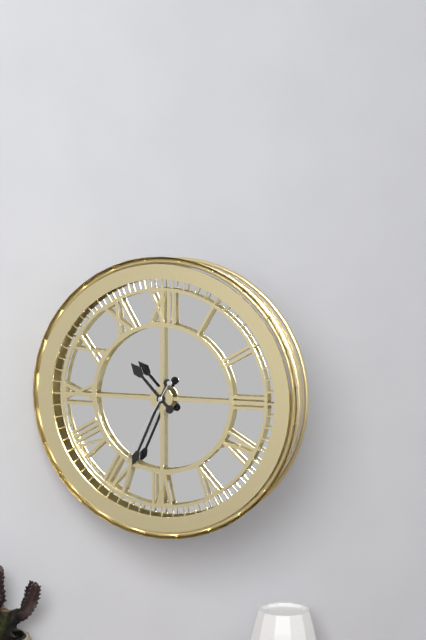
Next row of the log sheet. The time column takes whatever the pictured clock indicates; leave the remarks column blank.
10:34:35
